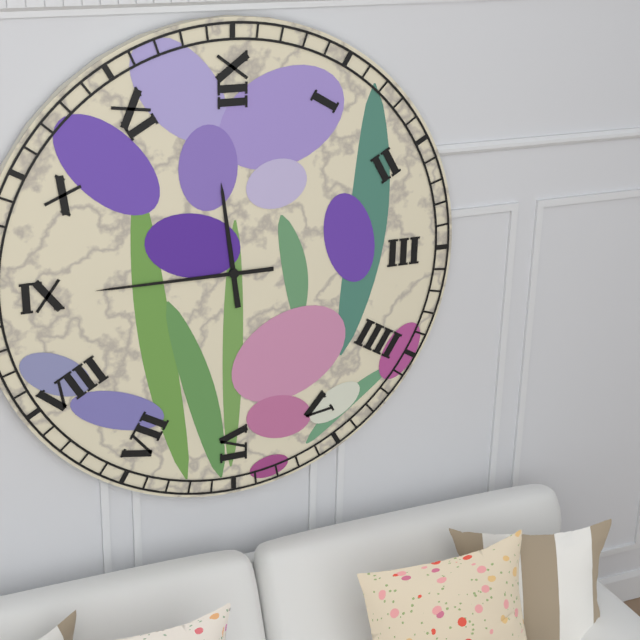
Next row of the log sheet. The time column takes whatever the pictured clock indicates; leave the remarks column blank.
11:45
